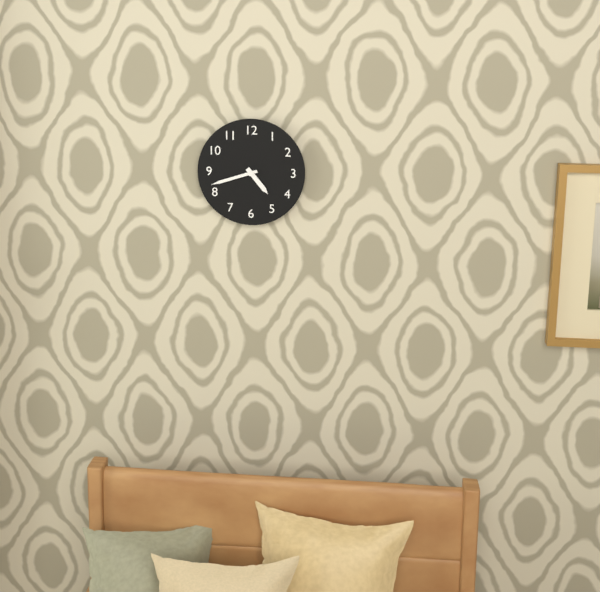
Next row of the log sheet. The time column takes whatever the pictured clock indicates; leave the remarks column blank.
4:42
